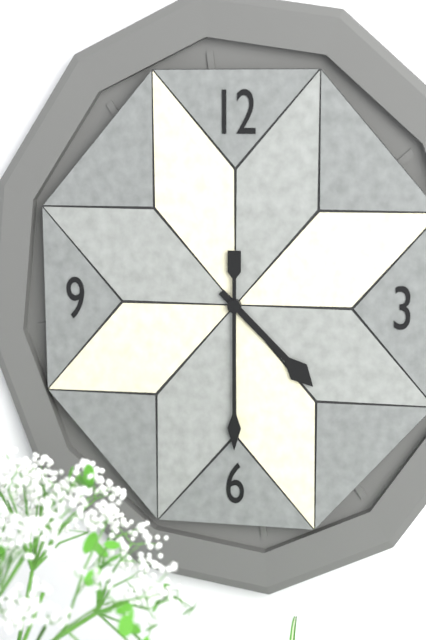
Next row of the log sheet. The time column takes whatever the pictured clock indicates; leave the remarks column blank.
4:30
